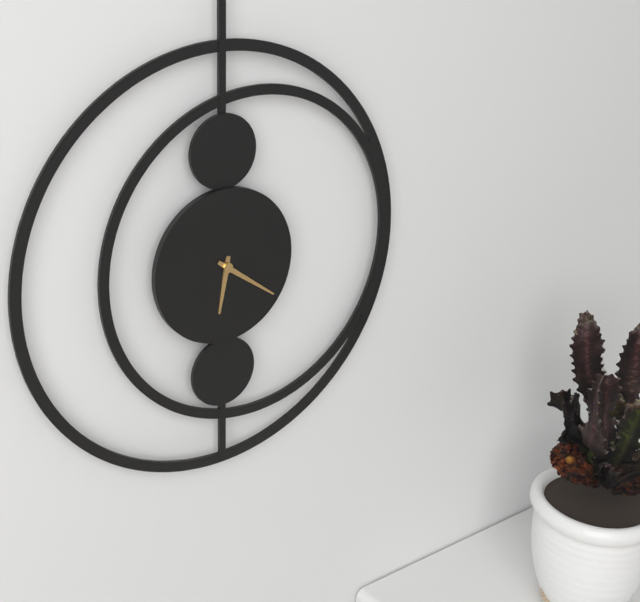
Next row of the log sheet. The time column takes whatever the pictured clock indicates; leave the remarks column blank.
6:21
